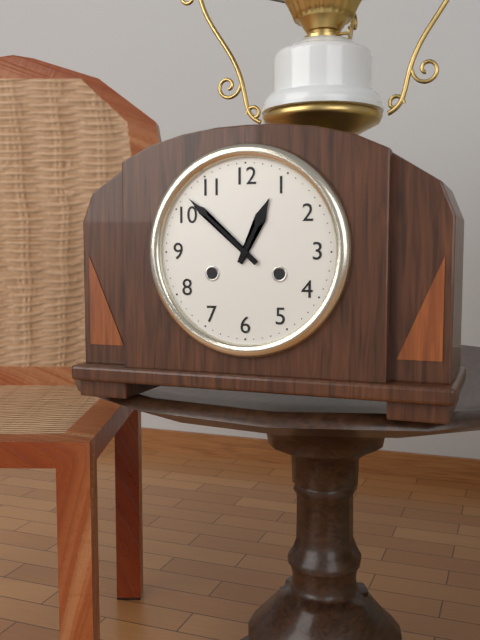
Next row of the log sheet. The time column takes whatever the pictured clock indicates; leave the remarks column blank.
12:52
